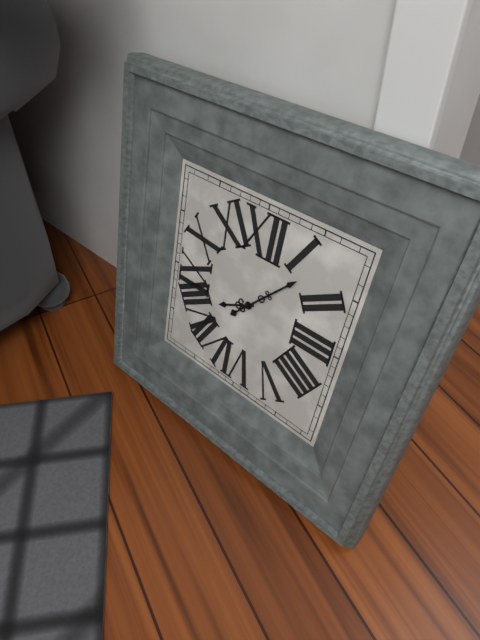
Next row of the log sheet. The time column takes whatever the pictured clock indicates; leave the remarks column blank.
8:07
